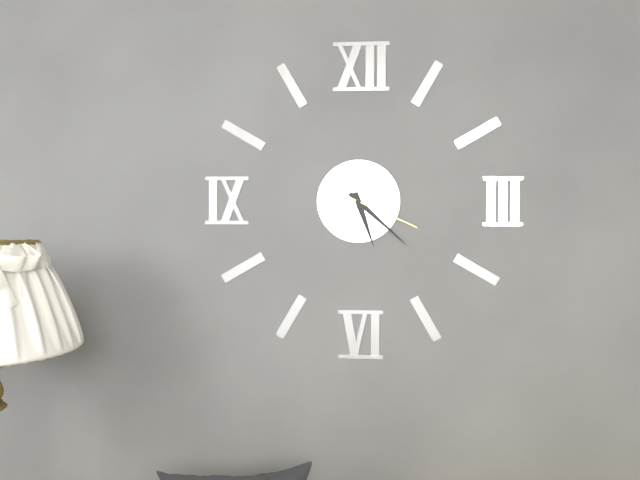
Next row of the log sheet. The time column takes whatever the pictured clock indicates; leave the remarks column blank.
5:22:19
